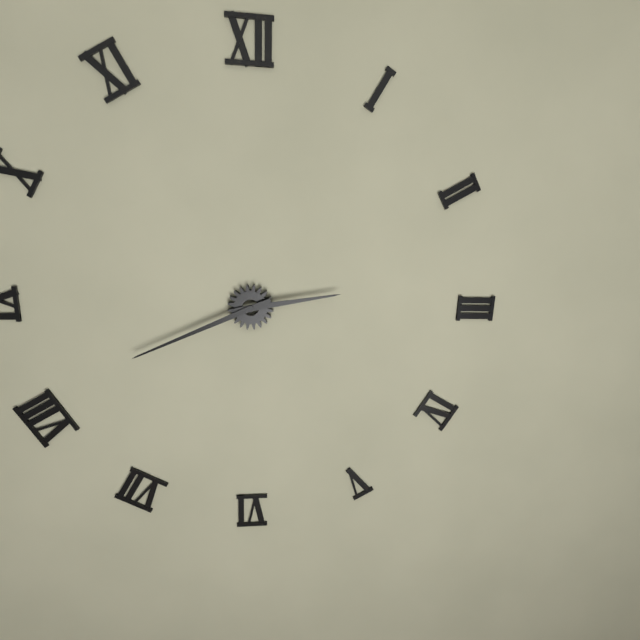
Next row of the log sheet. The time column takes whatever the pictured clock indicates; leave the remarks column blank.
2:41
